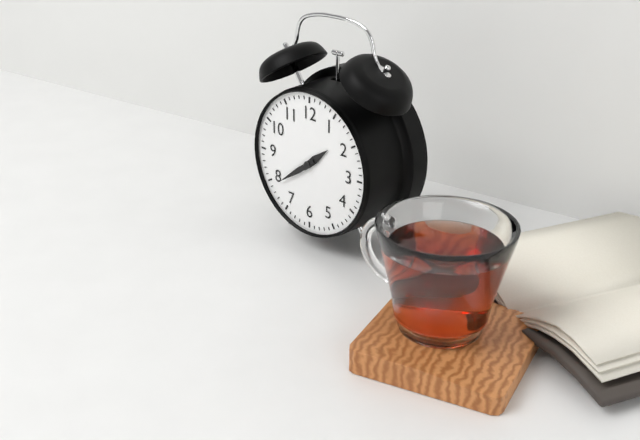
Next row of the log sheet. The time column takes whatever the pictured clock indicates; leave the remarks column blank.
1:39
